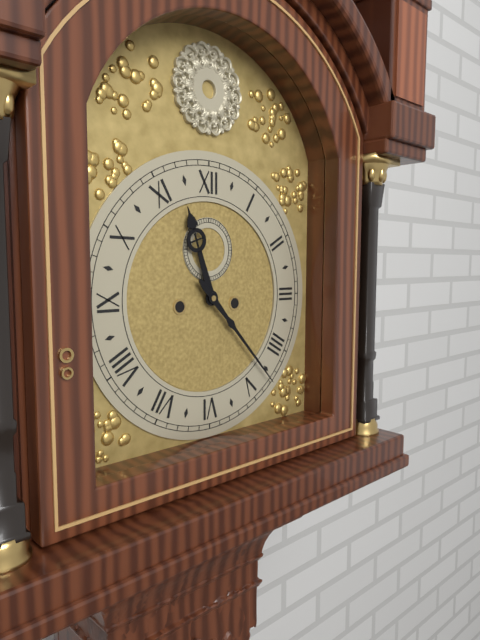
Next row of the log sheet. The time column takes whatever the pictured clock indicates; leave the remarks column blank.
11:23
